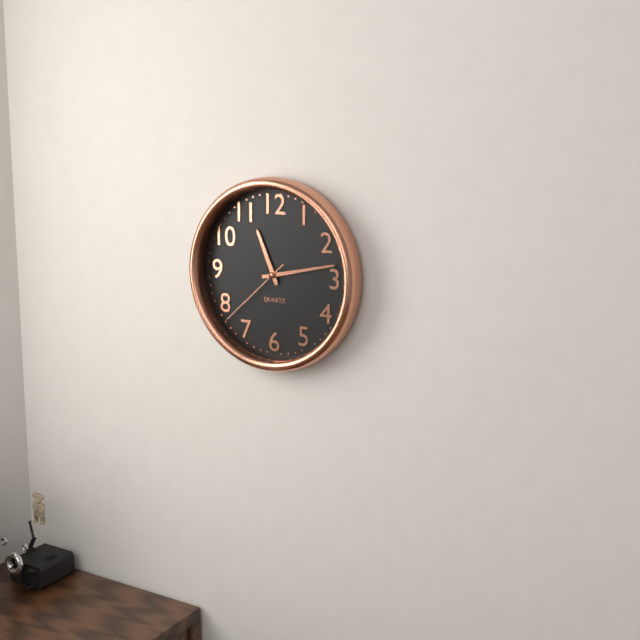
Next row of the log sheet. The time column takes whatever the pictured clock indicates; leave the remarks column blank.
11:13:38
